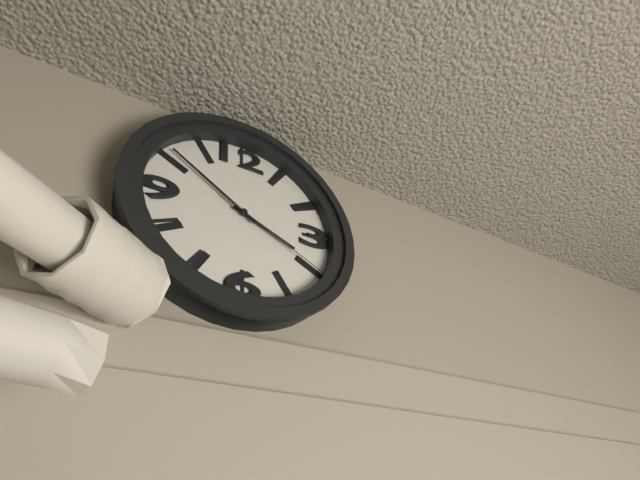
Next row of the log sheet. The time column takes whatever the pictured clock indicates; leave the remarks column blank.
3:51:20
